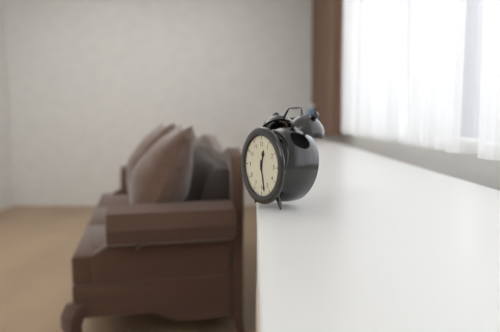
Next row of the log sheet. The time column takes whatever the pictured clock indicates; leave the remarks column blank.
12:28
